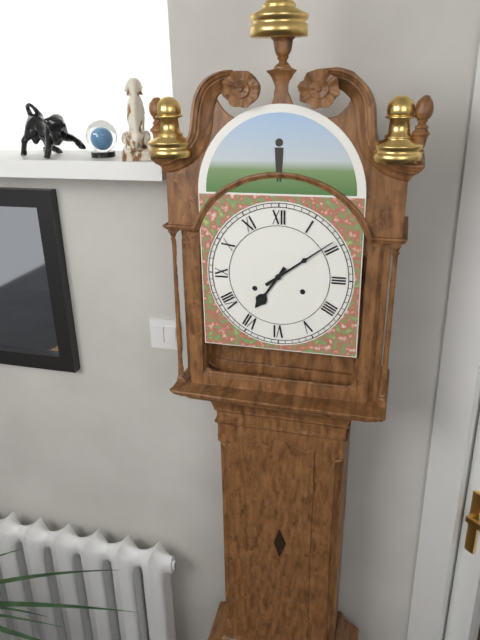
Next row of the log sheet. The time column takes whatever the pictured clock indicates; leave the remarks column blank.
7:09
